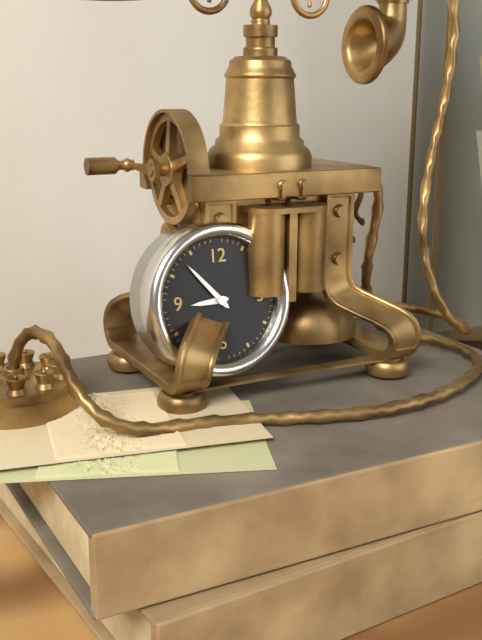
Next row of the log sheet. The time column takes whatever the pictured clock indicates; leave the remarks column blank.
8:53
